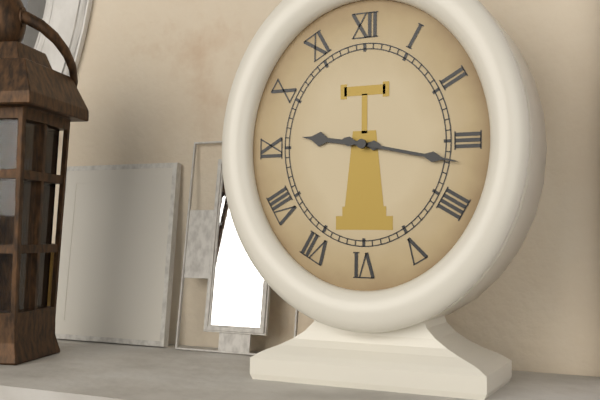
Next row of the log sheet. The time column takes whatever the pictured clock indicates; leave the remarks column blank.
9:17
